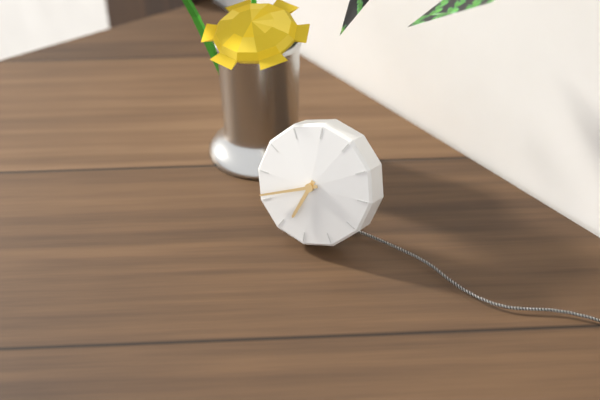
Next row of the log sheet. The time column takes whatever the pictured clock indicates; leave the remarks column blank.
6:41
